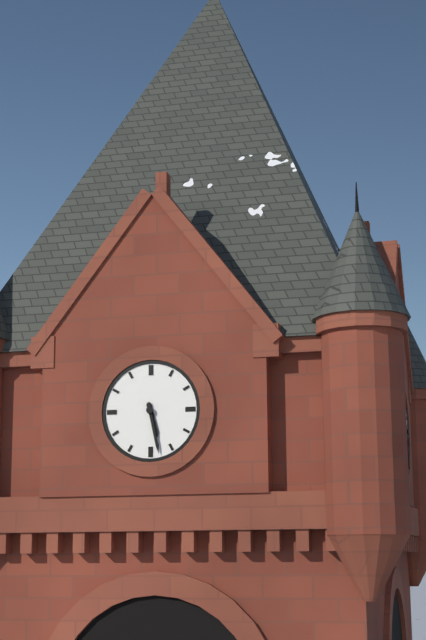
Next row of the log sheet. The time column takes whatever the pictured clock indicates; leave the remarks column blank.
5:28
